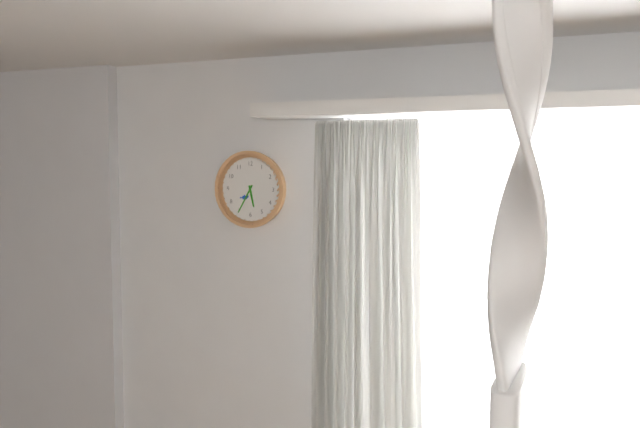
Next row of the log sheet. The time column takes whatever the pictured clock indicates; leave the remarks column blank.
5:35
